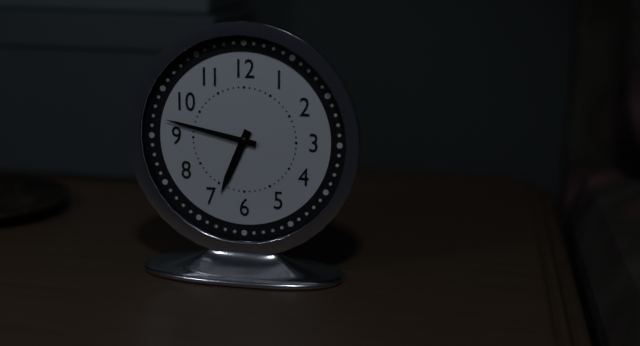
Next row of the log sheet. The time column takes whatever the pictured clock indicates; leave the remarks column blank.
6:47
